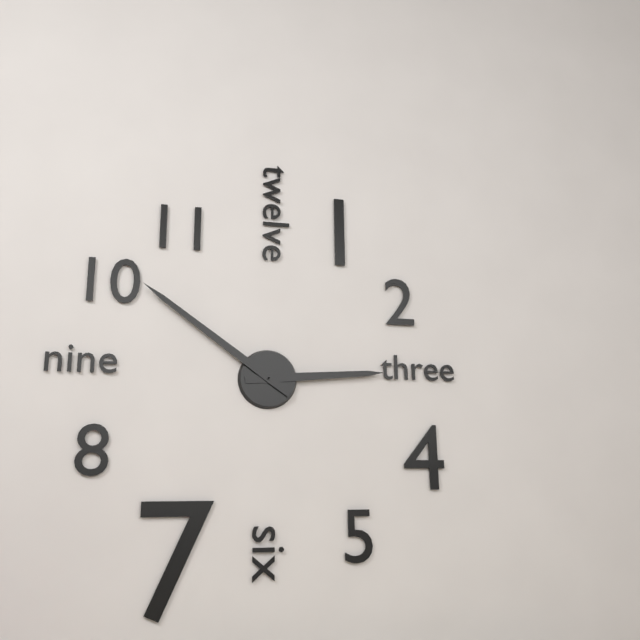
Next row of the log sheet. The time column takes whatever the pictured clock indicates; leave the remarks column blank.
2:51
